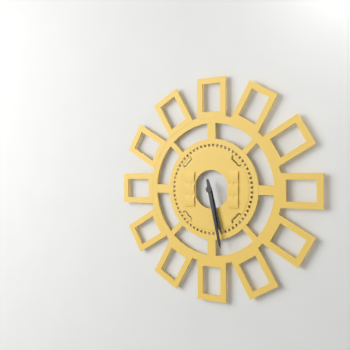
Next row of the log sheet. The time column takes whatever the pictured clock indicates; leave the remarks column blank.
5:28
